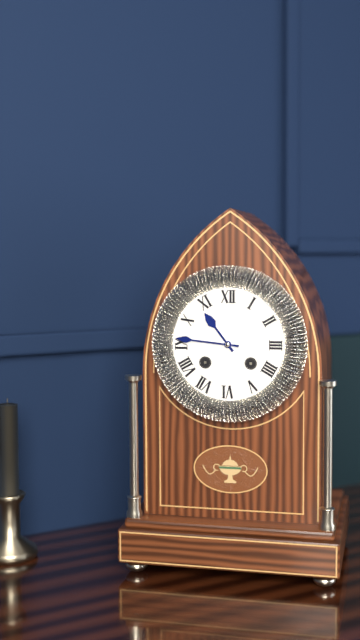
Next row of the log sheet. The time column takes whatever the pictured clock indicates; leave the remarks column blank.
10:46
